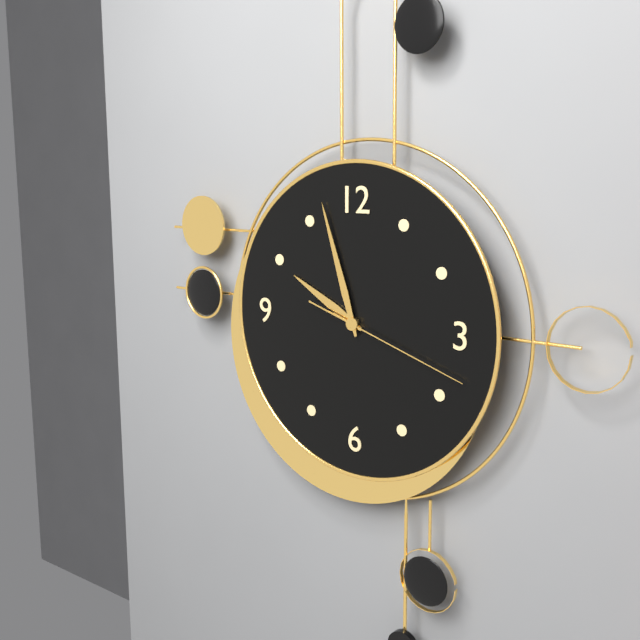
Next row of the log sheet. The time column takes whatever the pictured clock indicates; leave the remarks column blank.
9:57:18
